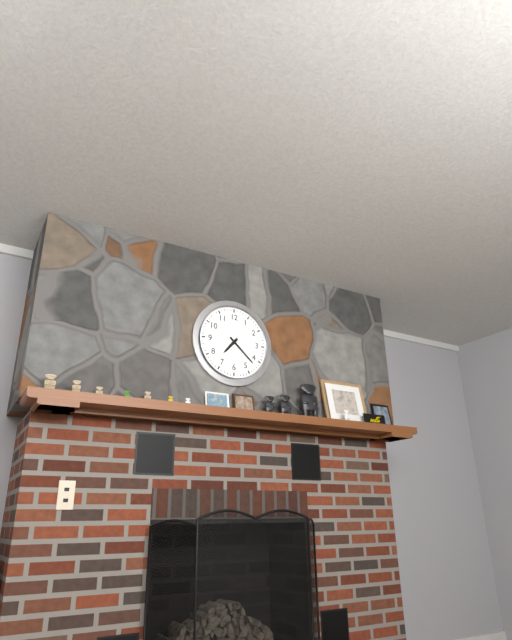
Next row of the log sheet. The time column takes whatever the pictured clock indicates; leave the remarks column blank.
7:22
